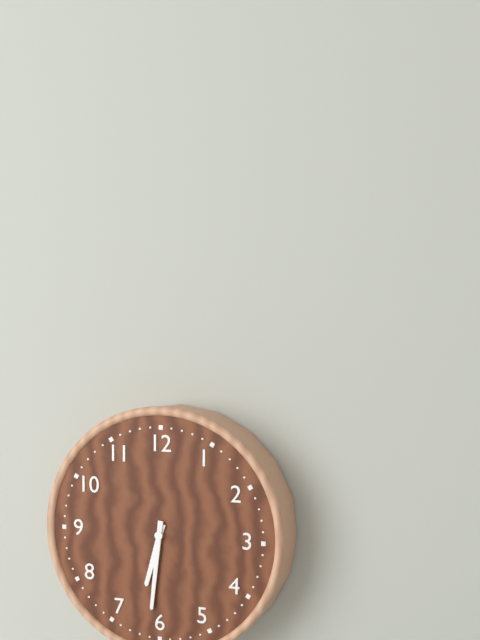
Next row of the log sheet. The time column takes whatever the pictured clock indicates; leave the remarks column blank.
6:31
